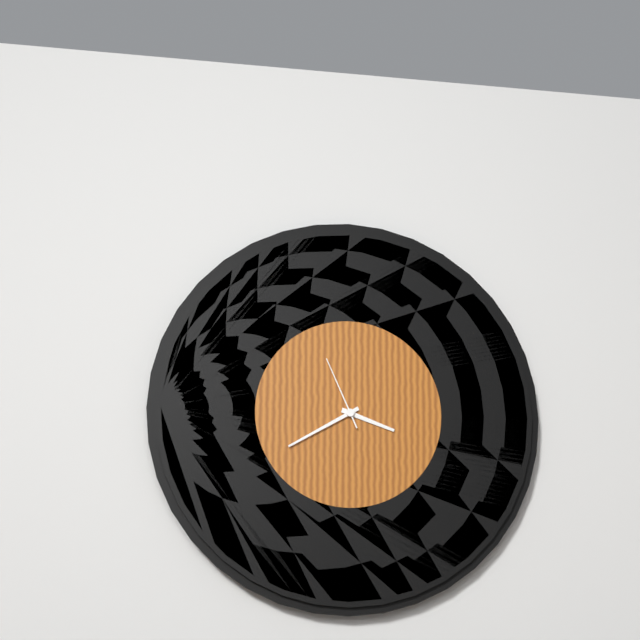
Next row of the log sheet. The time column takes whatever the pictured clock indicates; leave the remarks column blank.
3:40:56
